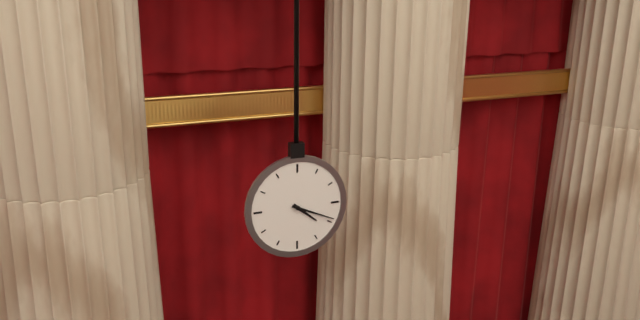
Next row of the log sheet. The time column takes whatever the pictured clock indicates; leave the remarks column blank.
4:19
